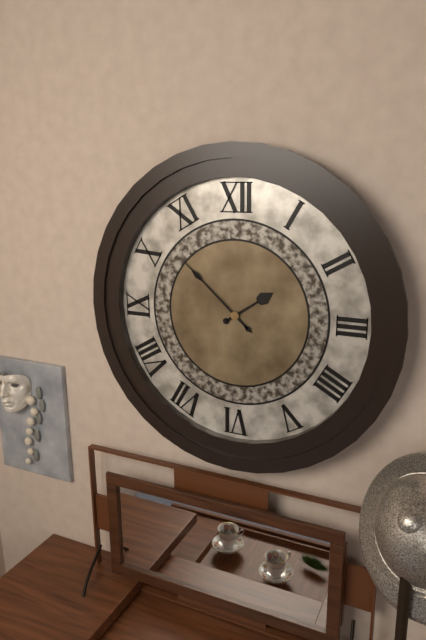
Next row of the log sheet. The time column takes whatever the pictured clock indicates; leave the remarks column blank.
1:52
